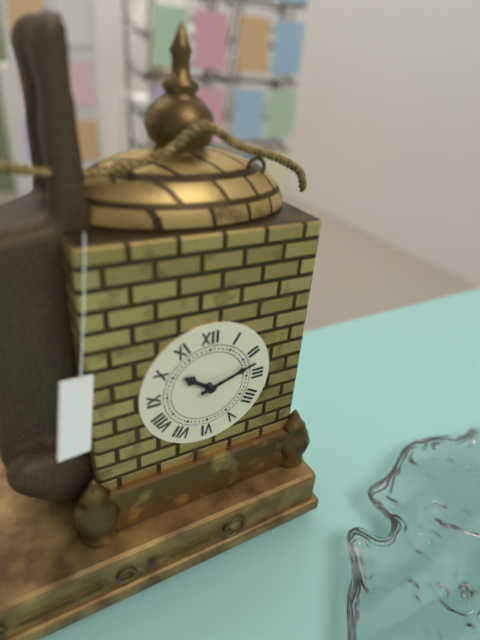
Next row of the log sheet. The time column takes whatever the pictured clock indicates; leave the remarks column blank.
10:12
